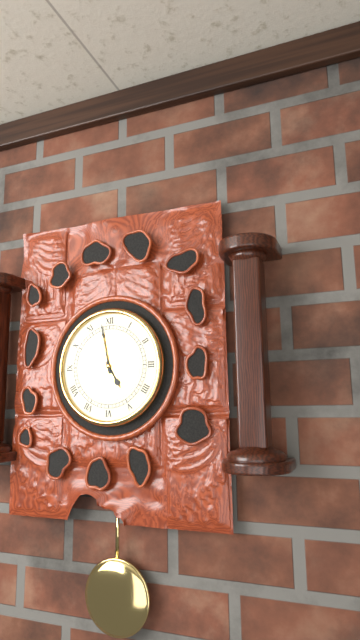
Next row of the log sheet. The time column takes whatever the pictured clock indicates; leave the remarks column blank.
4:58
